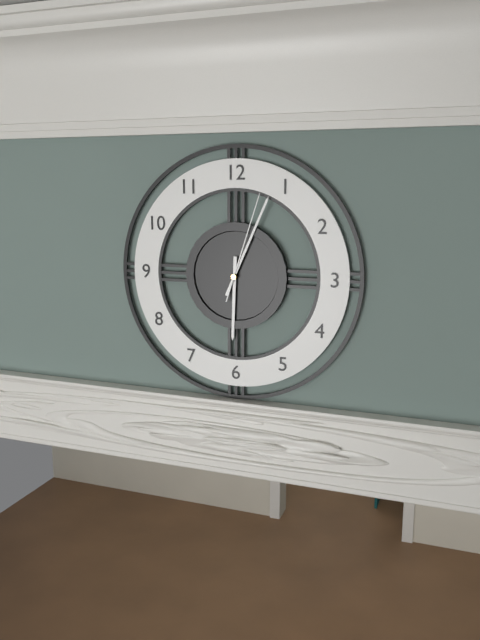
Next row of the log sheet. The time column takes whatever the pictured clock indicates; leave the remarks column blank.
6:04:03
